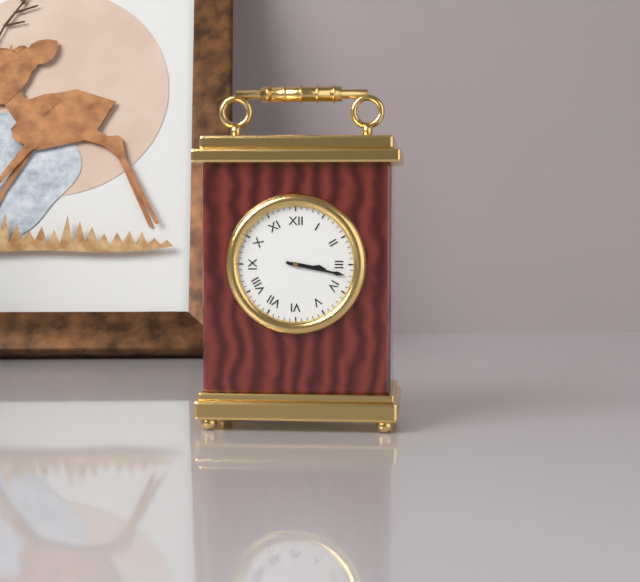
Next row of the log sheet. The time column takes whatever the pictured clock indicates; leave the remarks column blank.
3:17
